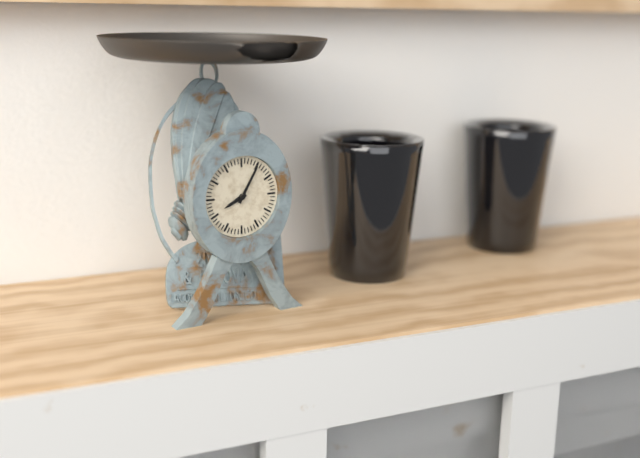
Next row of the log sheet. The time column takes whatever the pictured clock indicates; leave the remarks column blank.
8:05
